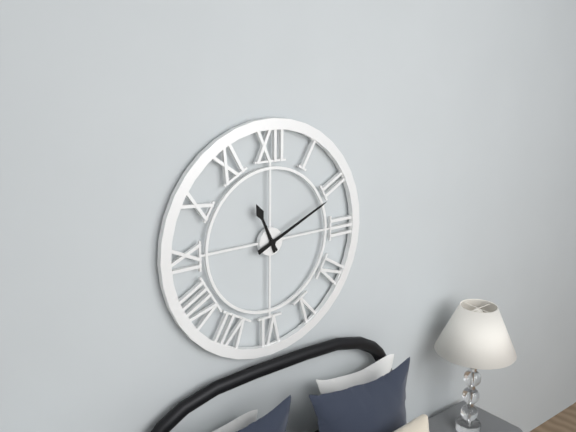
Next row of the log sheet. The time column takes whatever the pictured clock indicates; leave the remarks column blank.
11:11
